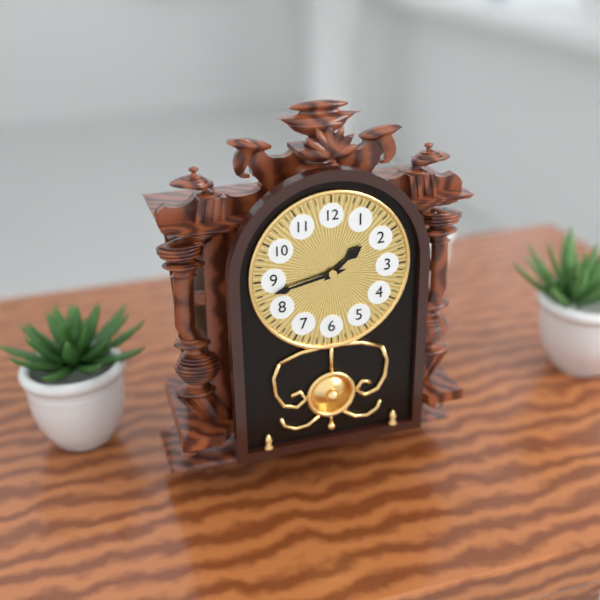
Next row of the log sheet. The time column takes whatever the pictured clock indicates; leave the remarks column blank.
1:43
